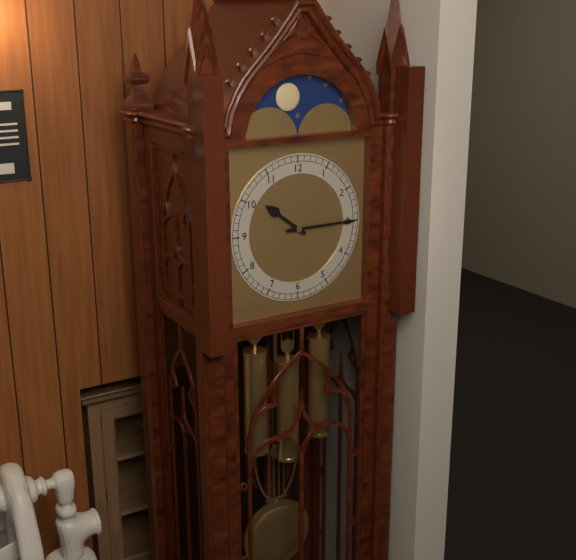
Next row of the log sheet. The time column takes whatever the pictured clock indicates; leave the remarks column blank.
10:15
